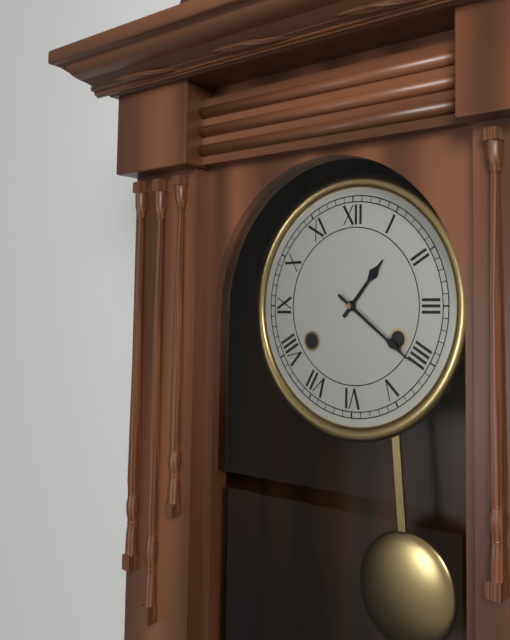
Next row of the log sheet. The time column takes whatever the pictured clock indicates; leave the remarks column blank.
1:21
